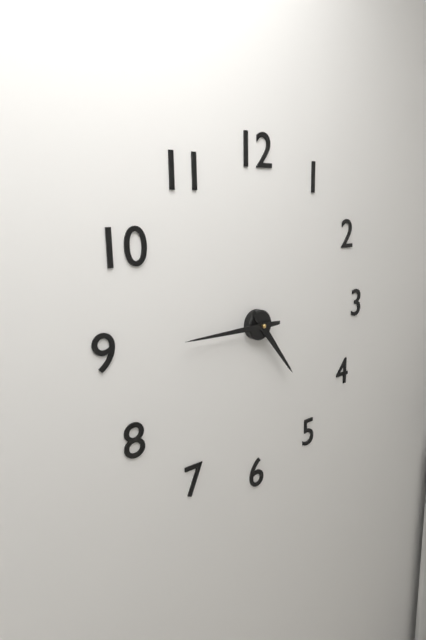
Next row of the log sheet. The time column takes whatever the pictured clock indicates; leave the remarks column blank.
4:45
